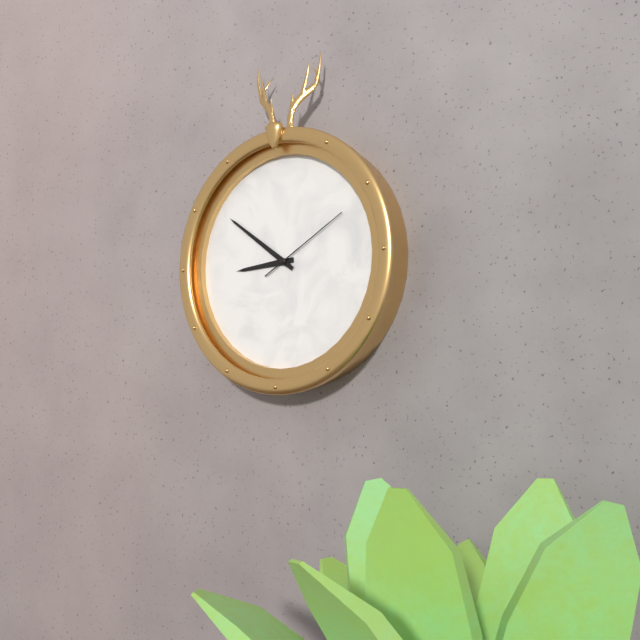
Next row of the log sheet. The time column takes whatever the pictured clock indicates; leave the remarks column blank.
8:51:10
